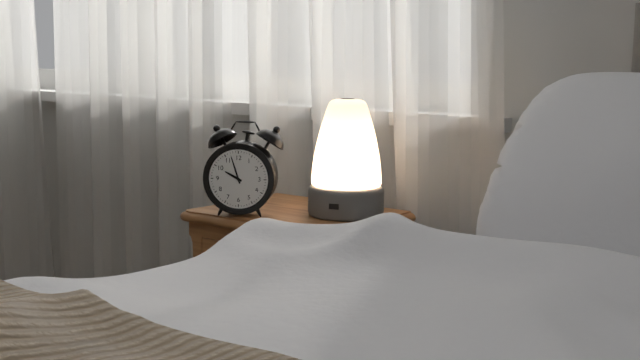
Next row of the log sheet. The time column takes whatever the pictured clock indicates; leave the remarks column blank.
9:57
